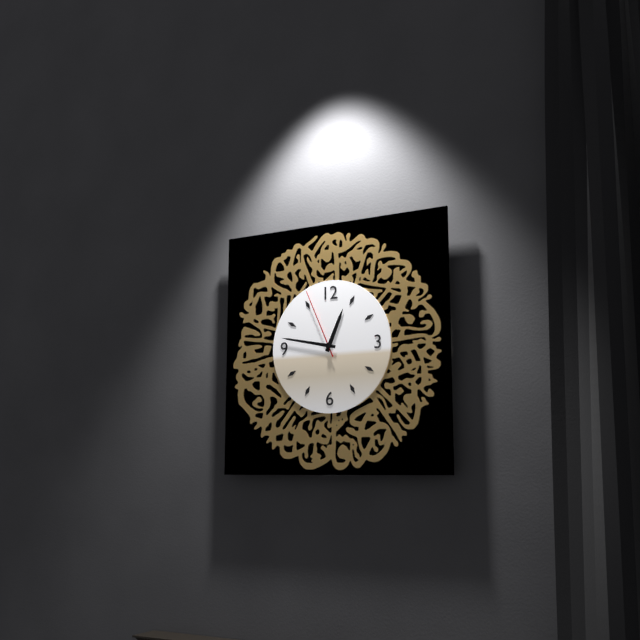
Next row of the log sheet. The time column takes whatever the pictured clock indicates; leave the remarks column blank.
12:47:56
